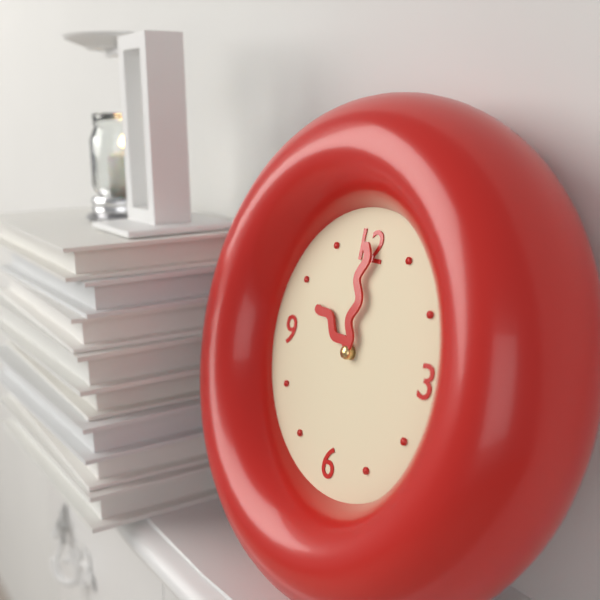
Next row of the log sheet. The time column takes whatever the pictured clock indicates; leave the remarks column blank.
10:00
